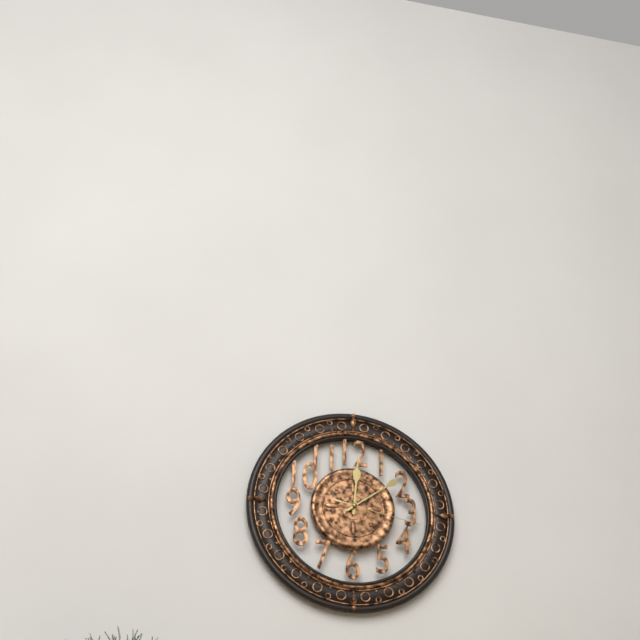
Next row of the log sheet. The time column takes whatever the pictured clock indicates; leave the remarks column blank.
12:09:17
